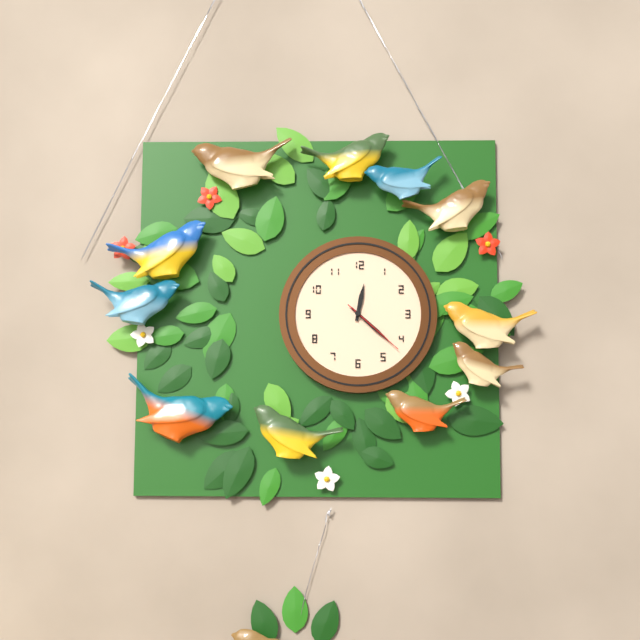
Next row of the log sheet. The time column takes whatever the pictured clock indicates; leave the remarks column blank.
12:22:22
